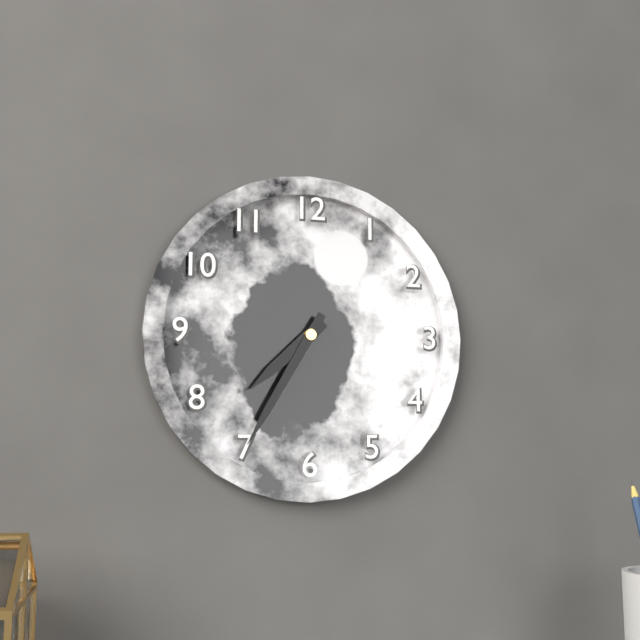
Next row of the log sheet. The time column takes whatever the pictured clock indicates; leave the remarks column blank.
7:35
